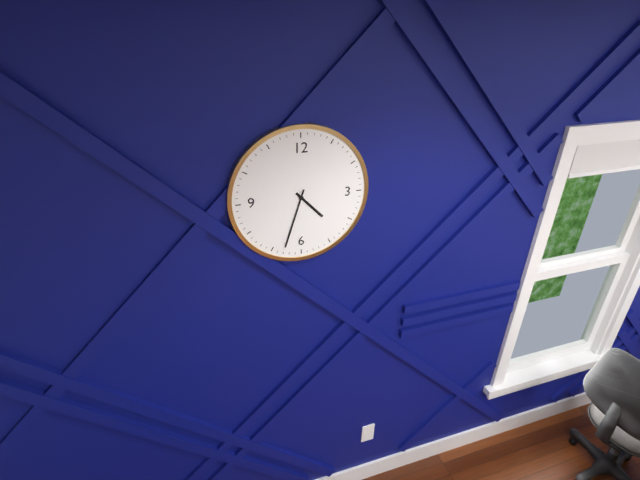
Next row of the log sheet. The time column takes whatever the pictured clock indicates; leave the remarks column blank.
4:33
